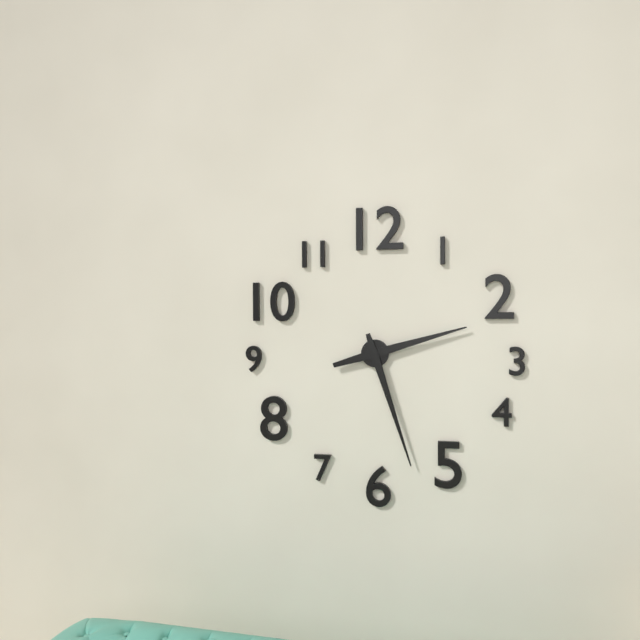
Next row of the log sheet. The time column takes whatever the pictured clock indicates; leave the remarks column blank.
2:27
